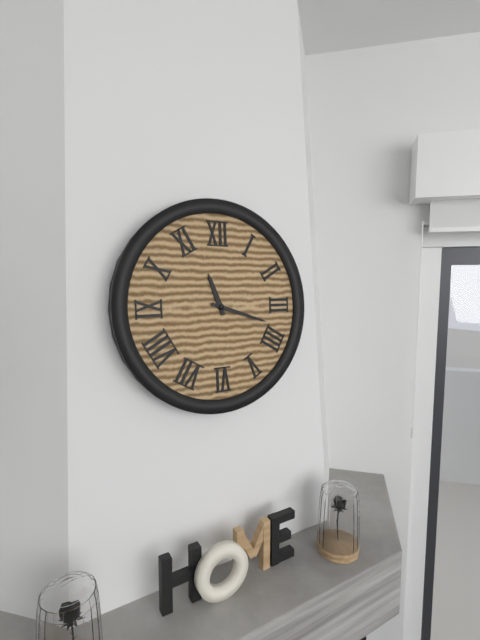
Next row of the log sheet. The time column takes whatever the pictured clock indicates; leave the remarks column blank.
11:18
